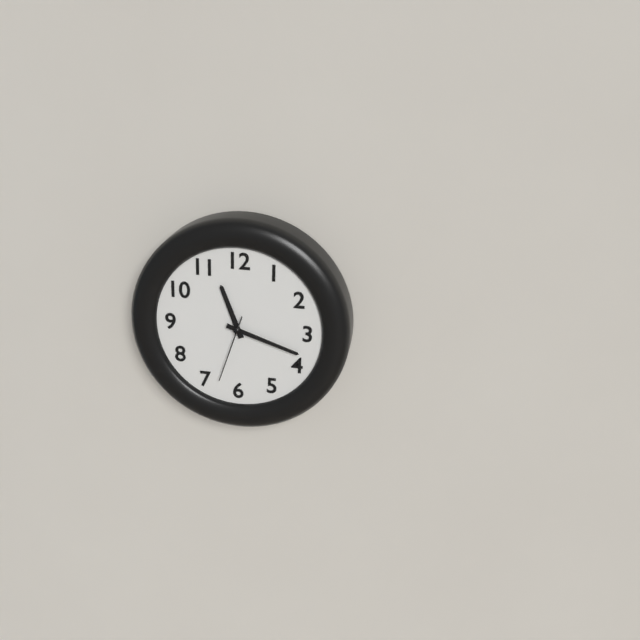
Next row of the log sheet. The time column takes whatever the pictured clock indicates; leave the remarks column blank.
11:18:33
